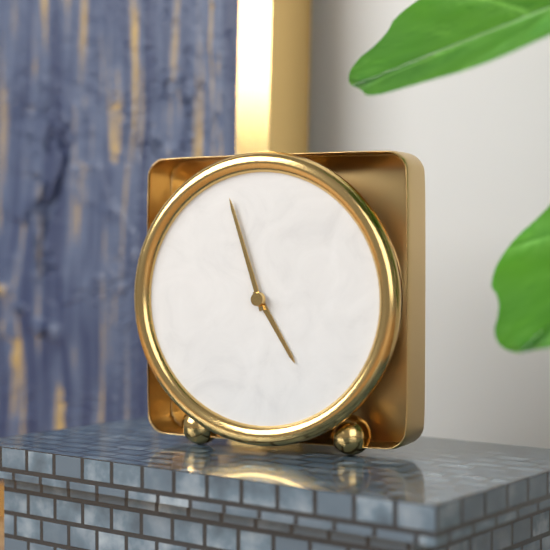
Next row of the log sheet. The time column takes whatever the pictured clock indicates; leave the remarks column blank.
4:57
